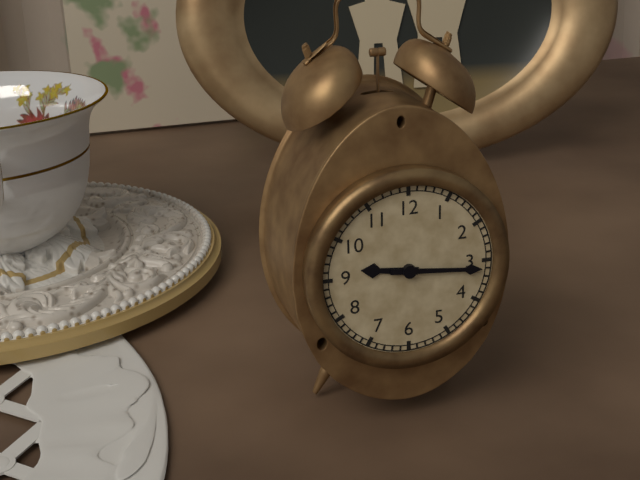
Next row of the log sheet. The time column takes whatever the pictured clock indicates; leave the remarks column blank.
9:16
